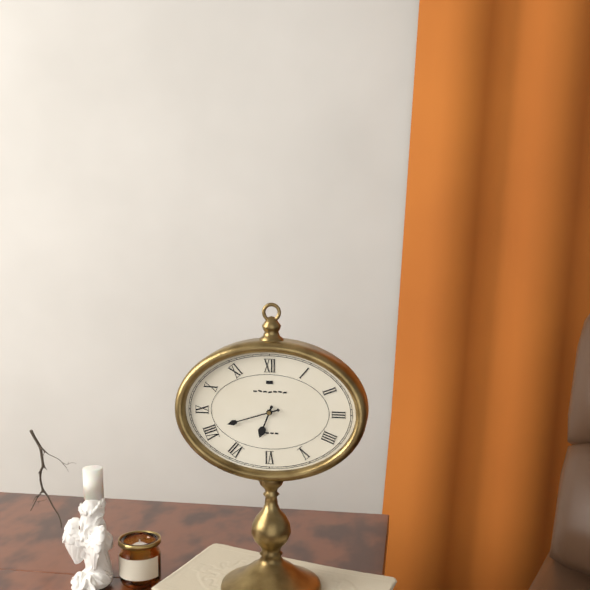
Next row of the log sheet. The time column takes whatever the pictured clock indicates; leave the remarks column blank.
6:42
